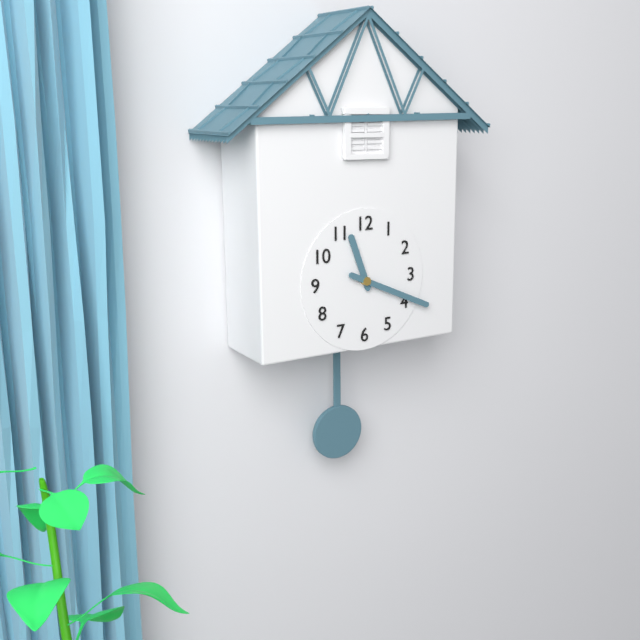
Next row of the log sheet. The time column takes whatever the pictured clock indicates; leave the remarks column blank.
11:19
